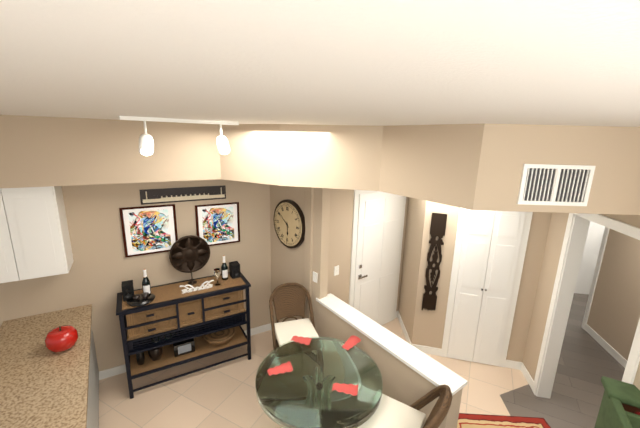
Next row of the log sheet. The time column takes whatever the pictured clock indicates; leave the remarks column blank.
5:51
